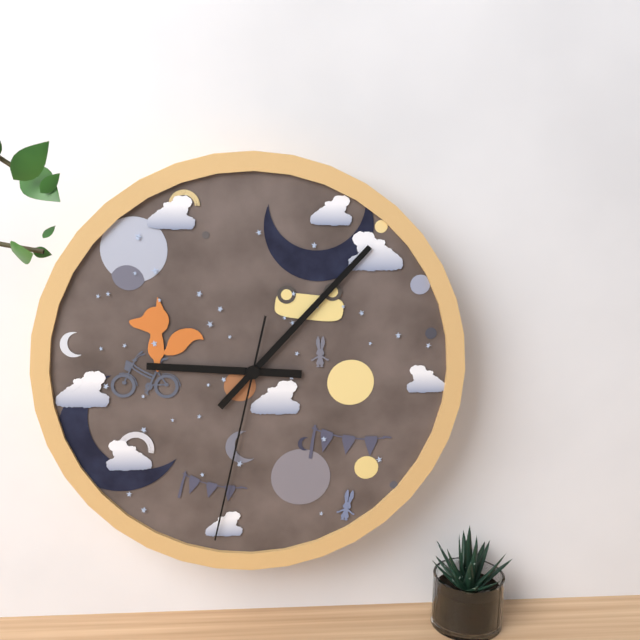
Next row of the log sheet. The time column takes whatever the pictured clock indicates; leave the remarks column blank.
9:07:32
